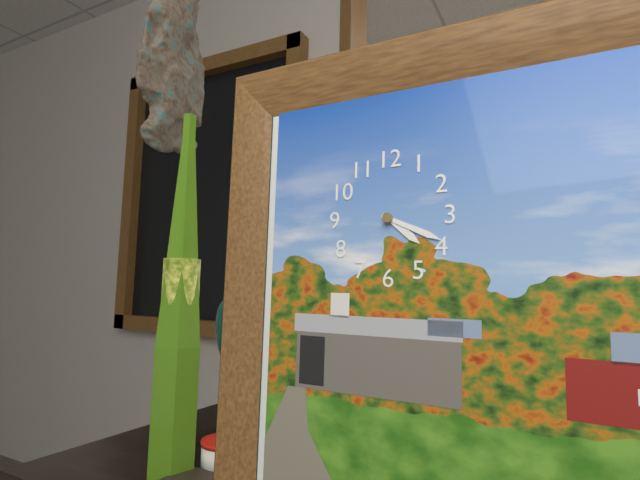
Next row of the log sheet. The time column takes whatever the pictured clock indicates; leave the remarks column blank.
4:19
